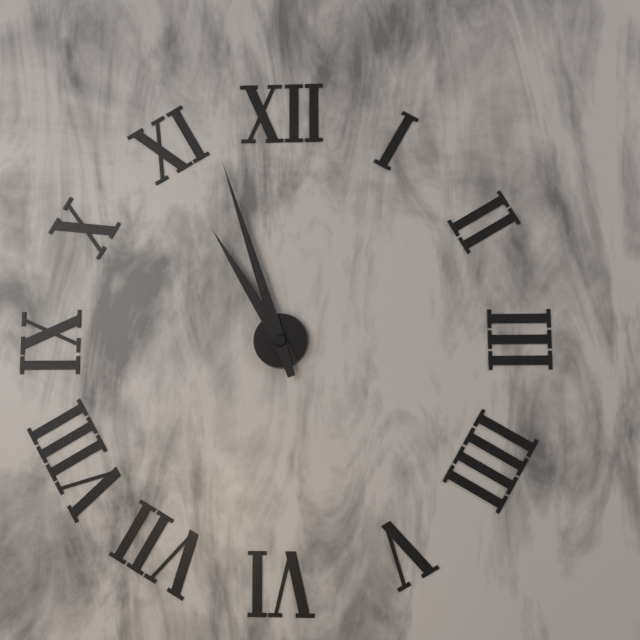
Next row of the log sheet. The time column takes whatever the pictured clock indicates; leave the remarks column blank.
10:57
